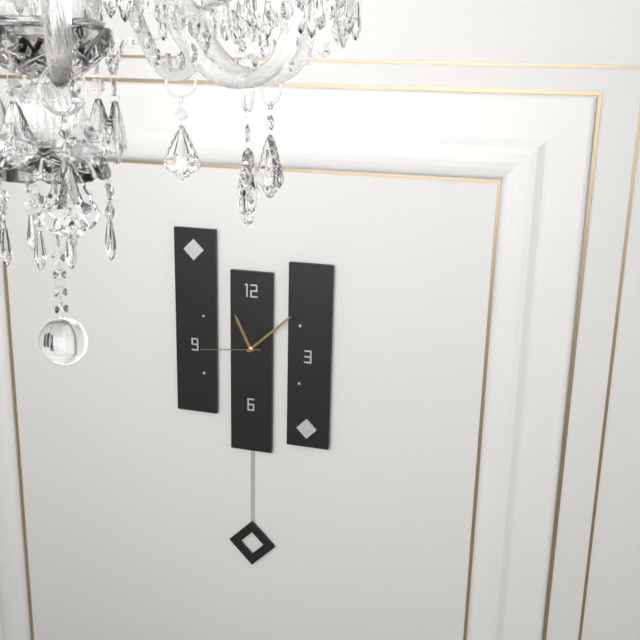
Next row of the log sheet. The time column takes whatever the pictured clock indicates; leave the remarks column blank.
11:08:44
